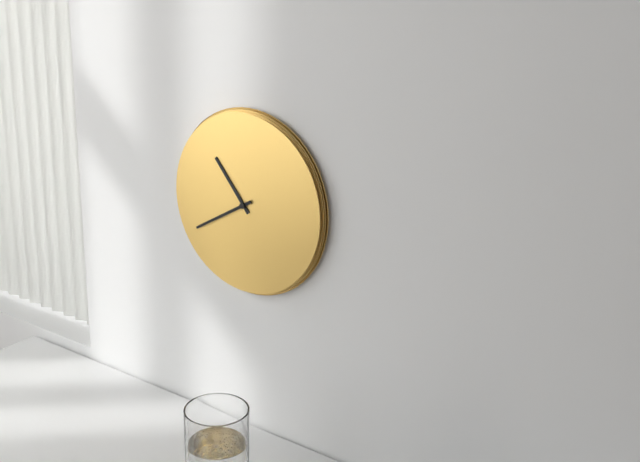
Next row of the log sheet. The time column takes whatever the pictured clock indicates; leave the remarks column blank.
10:40
